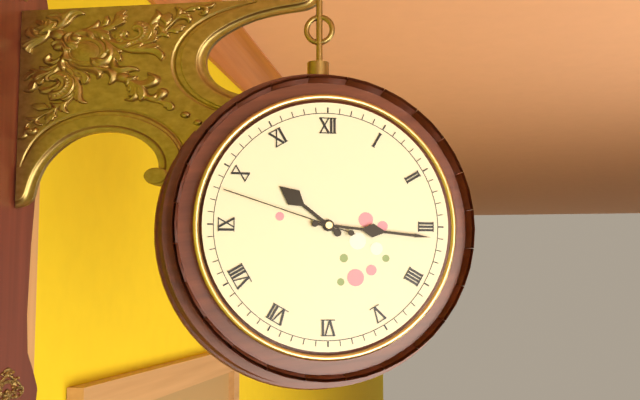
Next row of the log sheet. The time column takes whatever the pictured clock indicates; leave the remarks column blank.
10:16:48
